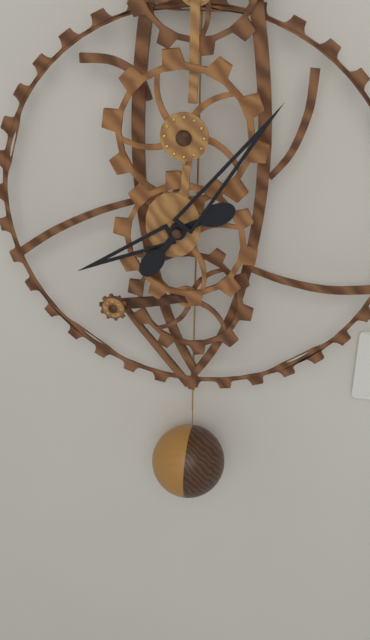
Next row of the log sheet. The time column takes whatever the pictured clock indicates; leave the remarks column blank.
8:06
